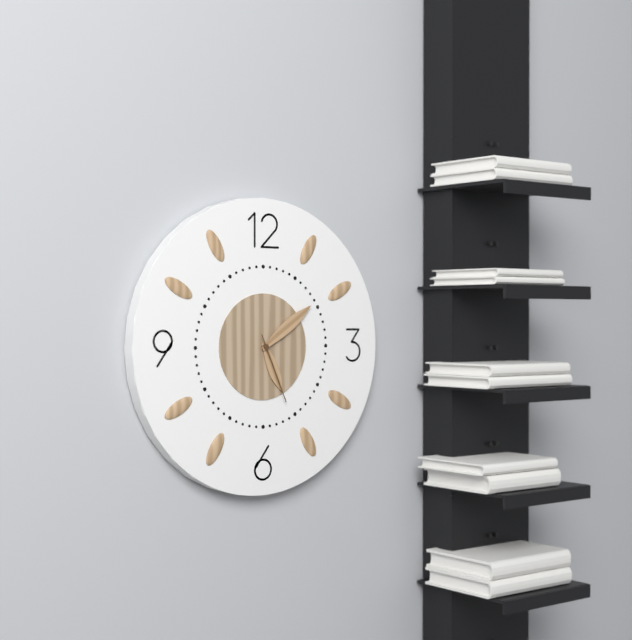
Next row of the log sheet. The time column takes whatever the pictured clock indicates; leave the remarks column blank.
5:09:26
